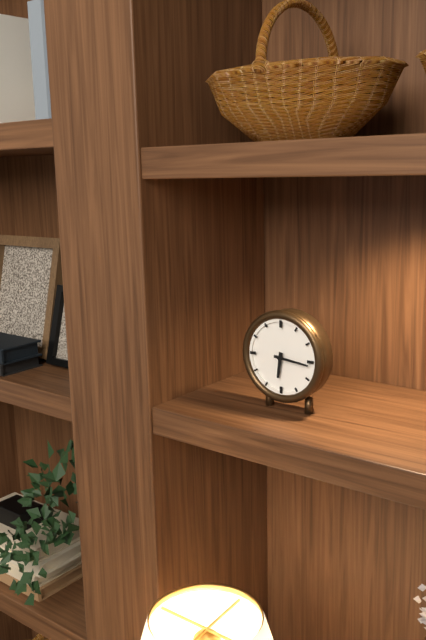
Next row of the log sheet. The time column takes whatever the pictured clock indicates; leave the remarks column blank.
6:16
